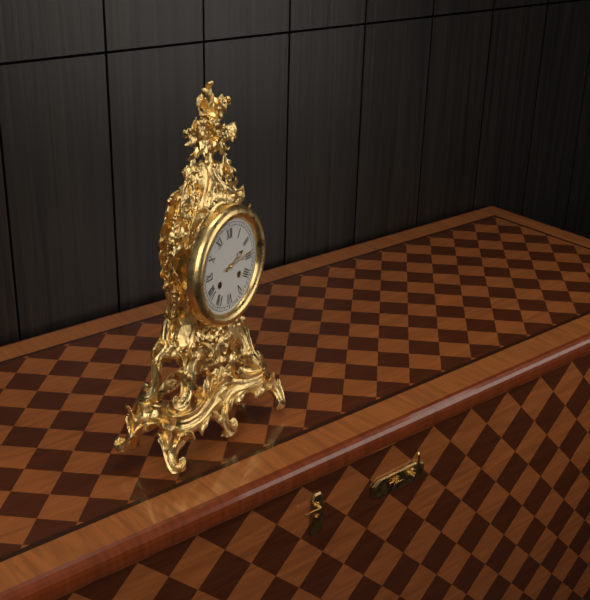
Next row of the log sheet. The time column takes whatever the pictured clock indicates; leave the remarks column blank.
2:14
